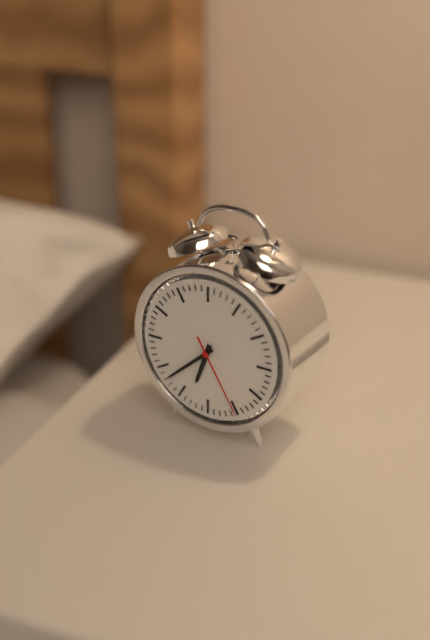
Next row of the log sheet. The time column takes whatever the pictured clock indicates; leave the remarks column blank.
6:38:25
